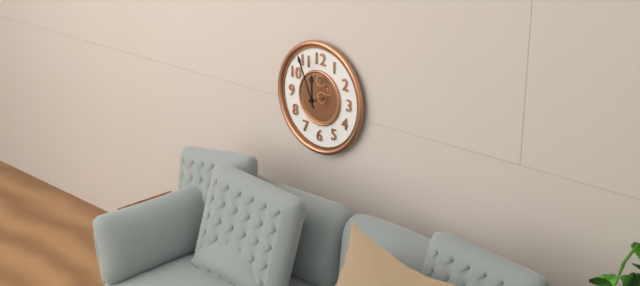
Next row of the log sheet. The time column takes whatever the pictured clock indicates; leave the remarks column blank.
11:56
